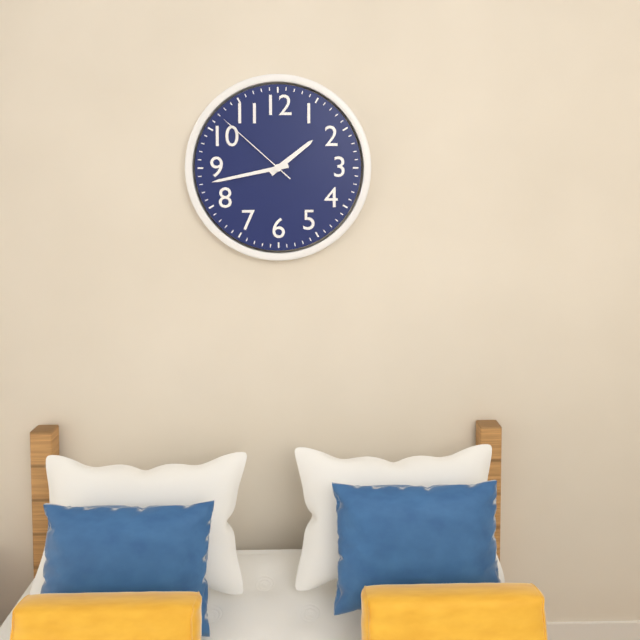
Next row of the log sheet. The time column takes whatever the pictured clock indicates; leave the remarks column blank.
1:43:52
